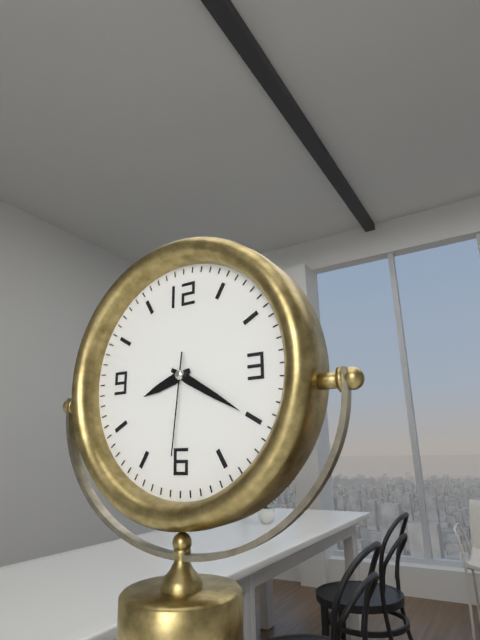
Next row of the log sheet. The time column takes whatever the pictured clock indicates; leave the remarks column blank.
8:20:31
